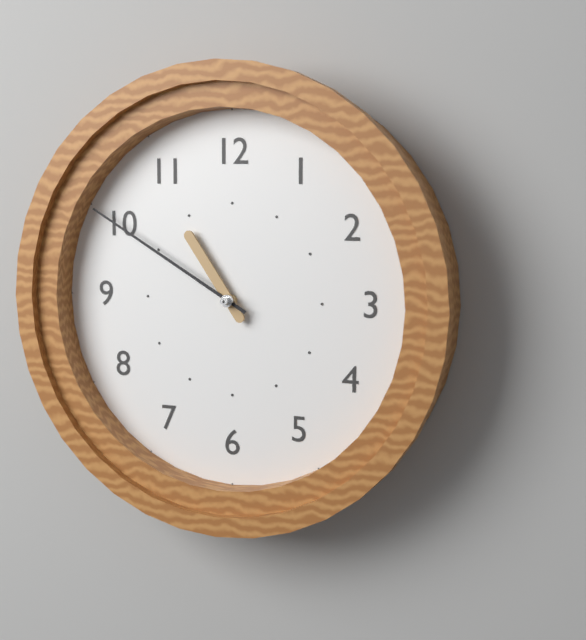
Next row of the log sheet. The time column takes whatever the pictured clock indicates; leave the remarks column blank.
10:50
